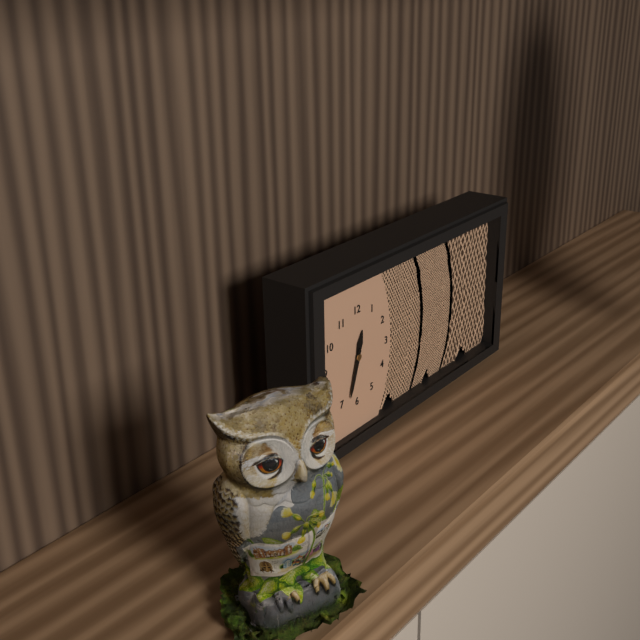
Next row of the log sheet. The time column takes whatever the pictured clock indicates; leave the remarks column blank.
12:33
